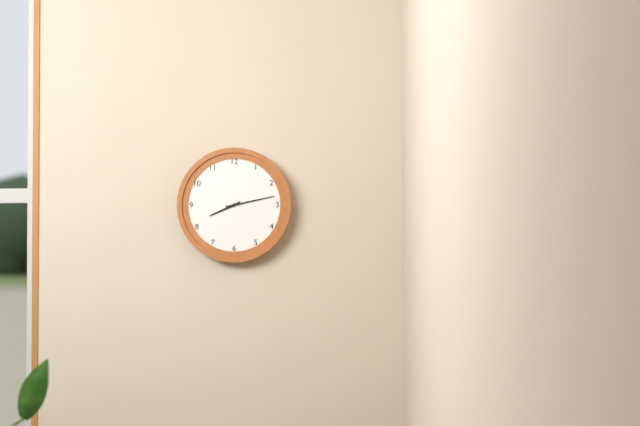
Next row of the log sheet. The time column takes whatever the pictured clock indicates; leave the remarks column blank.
8:13
